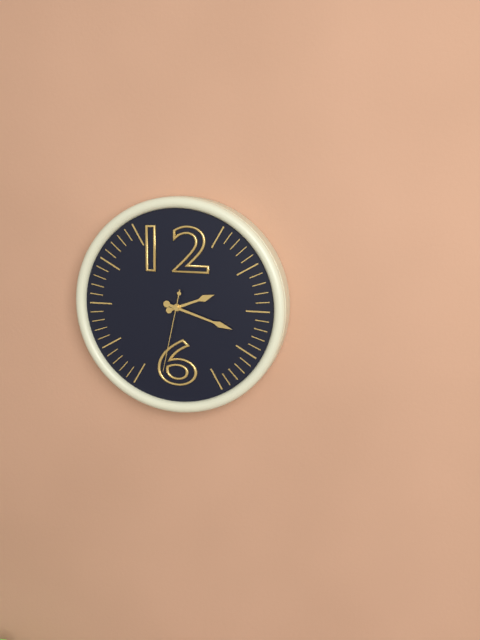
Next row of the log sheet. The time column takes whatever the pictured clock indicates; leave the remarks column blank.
2:18:32
